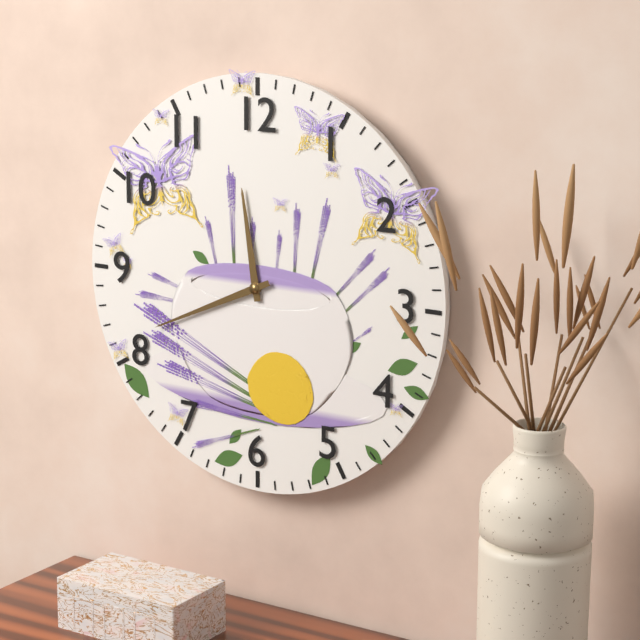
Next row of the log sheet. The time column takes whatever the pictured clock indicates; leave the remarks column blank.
11:41
